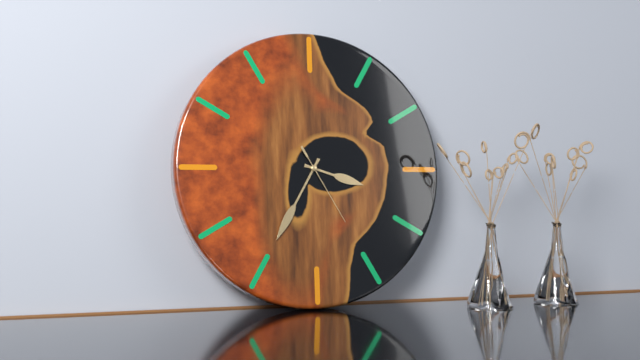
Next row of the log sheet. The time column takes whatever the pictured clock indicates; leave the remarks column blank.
3:35:25
